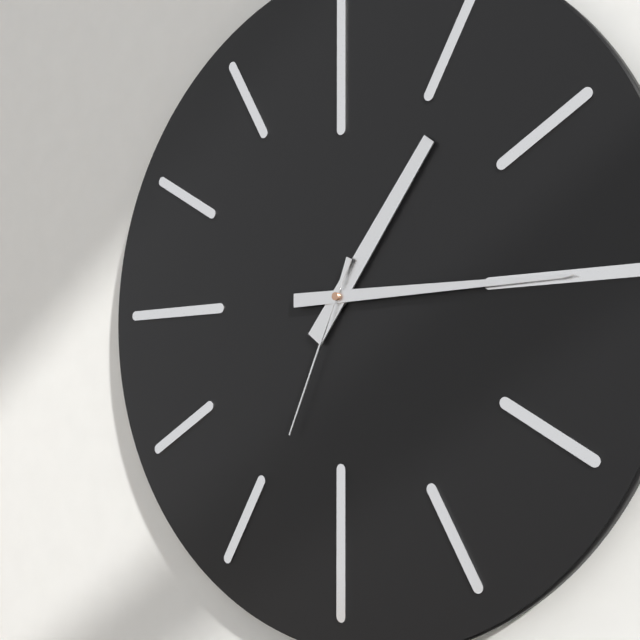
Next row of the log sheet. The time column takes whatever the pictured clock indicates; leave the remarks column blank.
1:15:34
